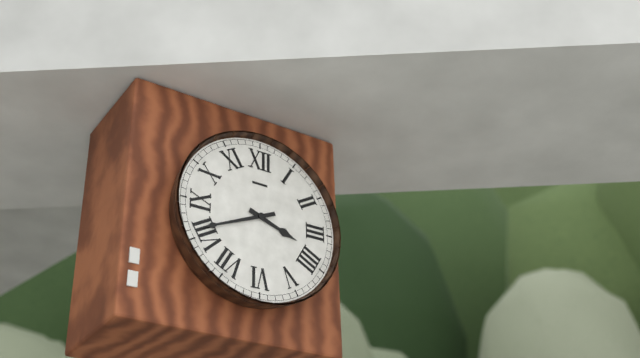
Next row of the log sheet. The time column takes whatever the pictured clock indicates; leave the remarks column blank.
3:41
